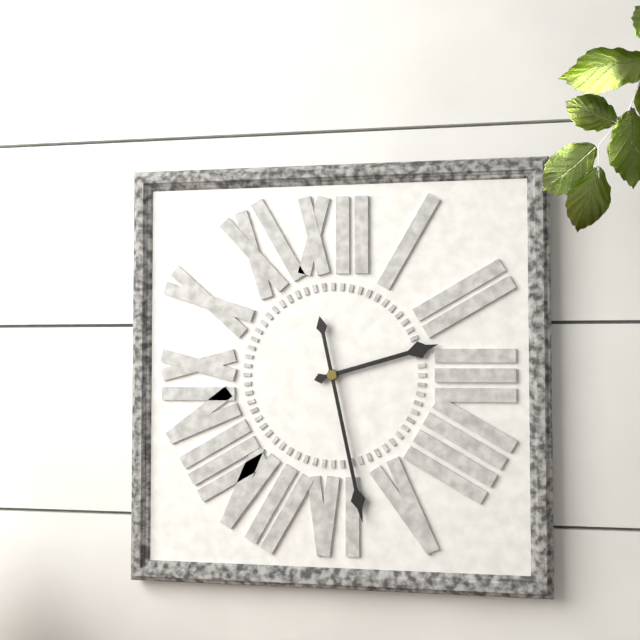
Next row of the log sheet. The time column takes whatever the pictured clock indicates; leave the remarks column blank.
2:28
